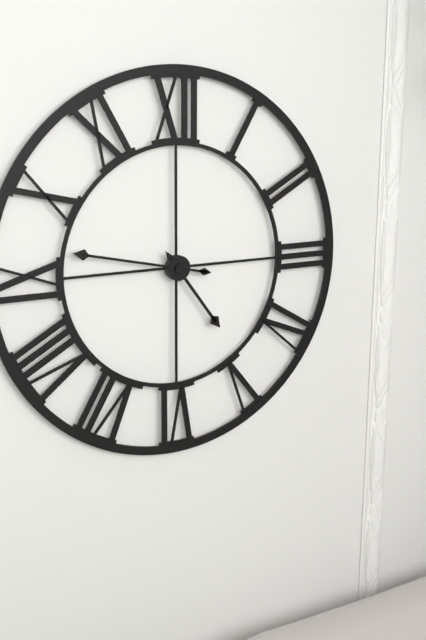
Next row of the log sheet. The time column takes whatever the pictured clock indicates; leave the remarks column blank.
4:47
